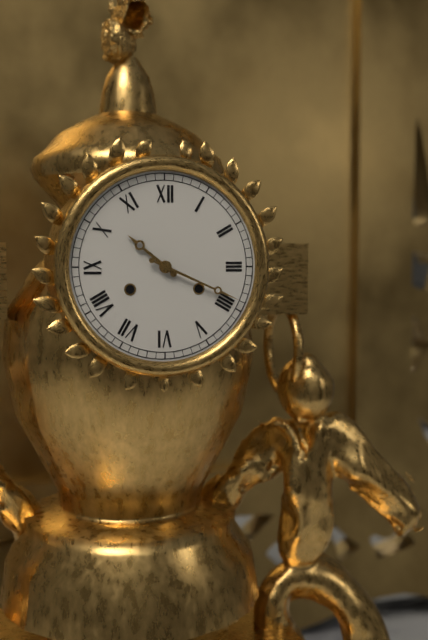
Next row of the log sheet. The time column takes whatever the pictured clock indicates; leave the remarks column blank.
10:19
